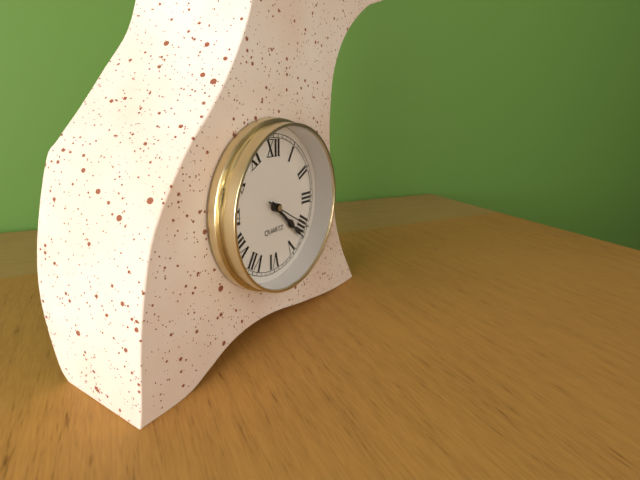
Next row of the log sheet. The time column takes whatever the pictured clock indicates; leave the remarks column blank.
4:22:20
